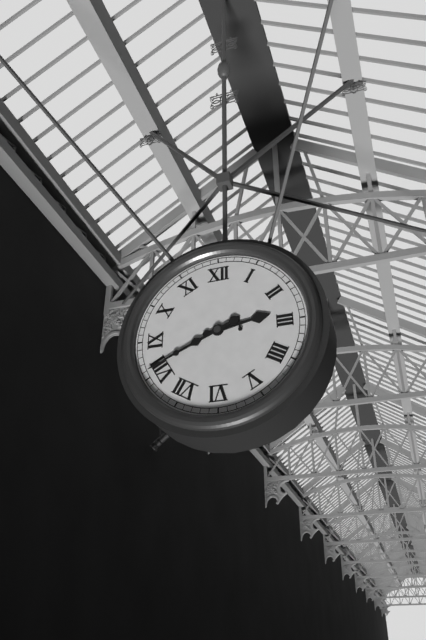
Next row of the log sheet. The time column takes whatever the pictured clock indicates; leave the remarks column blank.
2:41
